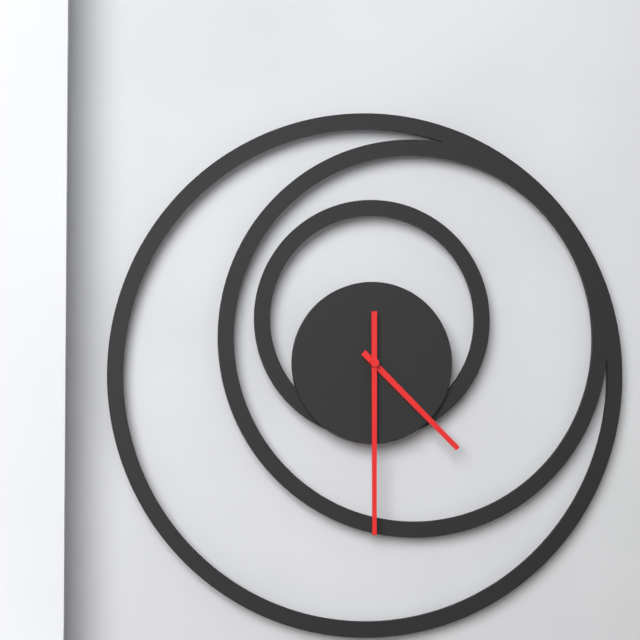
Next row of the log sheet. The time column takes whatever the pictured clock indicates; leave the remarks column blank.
4:30
